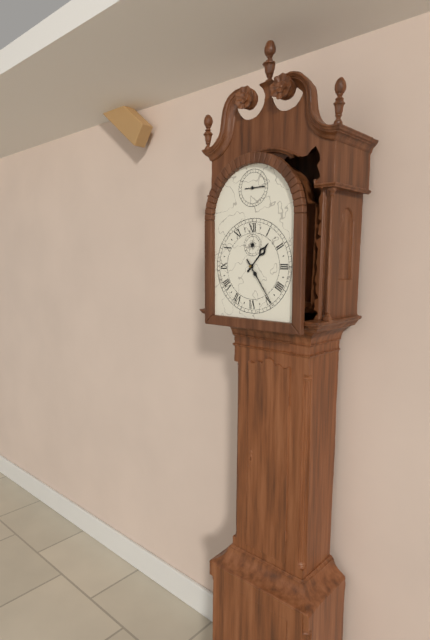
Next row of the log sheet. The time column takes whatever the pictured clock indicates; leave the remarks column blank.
1:24
